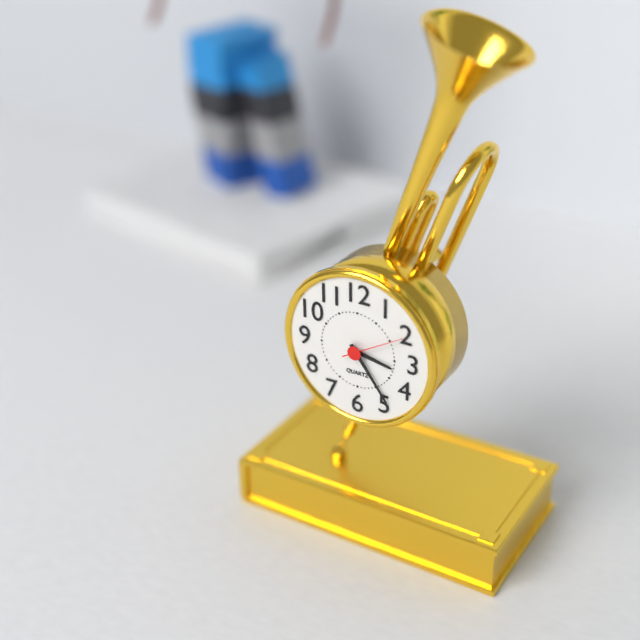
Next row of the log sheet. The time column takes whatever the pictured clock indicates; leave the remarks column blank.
3:24:10
